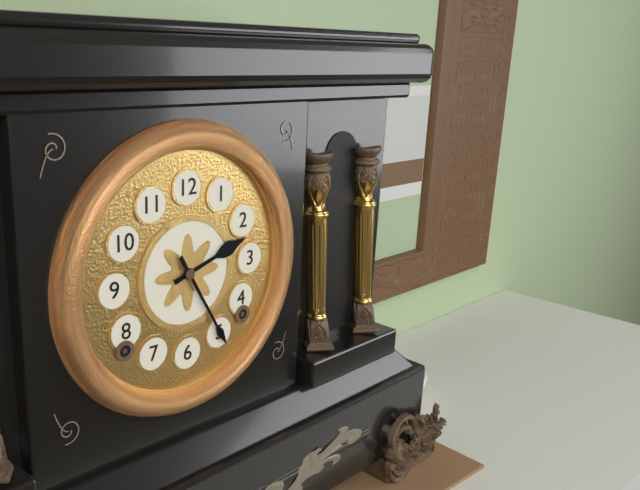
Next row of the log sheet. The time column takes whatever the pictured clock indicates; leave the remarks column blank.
2:25
